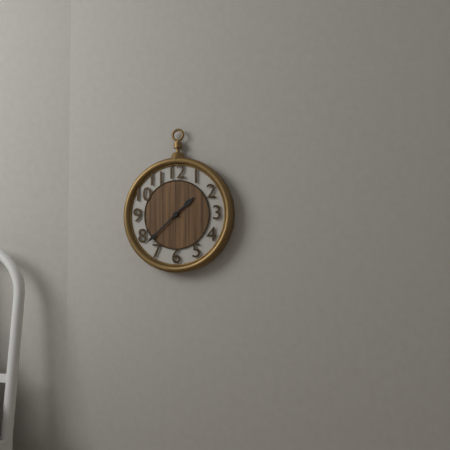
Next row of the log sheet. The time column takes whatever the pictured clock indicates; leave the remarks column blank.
1:38
